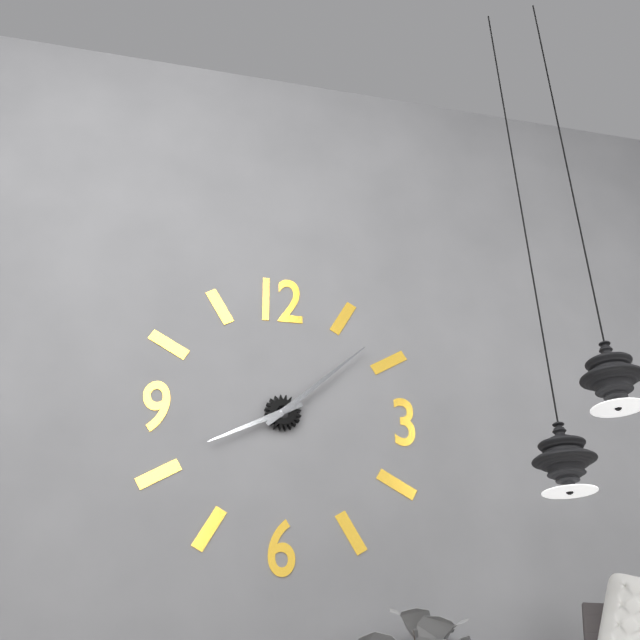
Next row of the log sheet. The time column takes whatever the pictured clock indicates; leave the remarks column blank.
8:08
